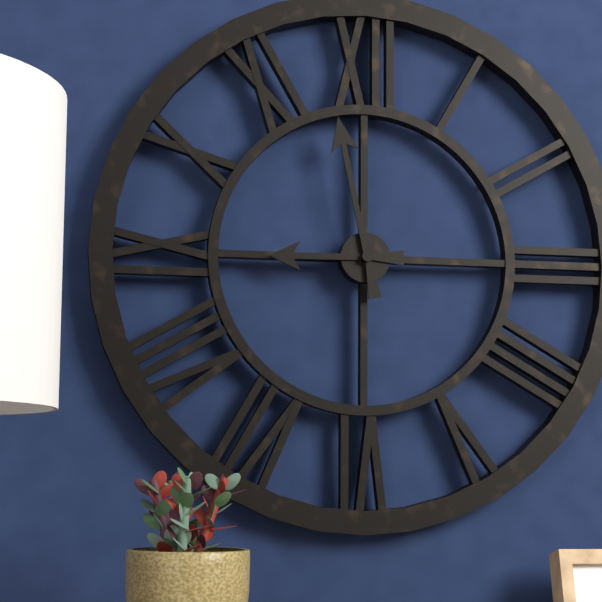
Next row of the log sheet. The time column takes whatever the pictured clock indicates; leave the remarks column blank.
8:58
